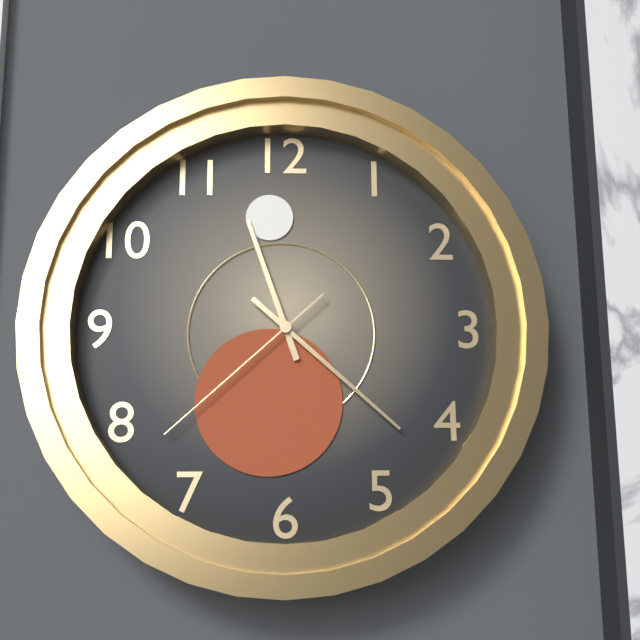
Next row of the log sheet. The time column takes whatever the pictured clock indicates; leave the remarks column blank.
11:22:38
